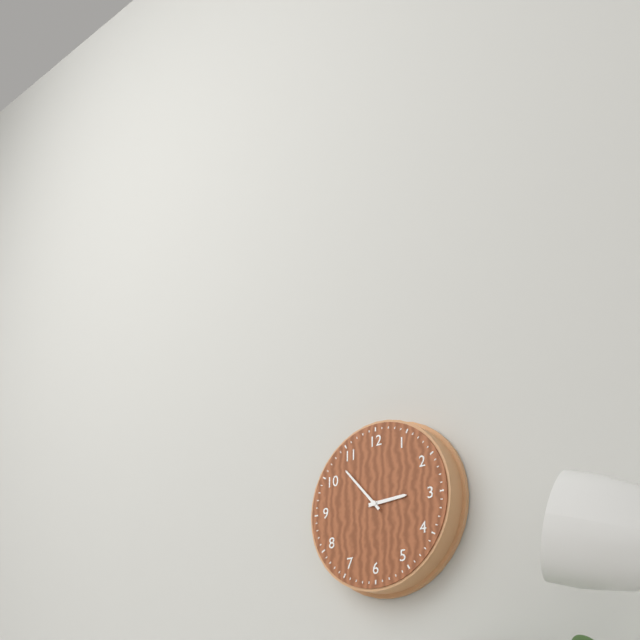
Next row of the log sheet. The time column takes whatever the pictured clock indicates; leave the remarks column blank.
2:53
